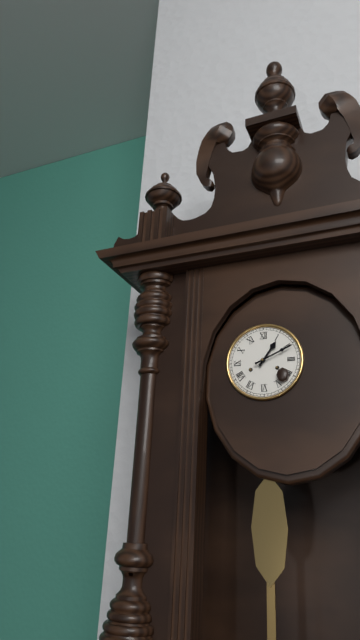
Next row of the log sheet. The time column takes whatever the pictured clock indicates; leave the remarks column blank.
1:11
